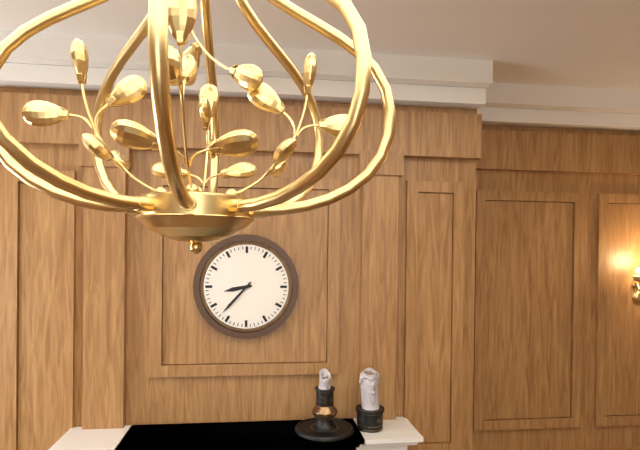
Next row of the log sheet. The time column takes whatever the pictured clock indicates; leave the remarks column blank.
8:37
